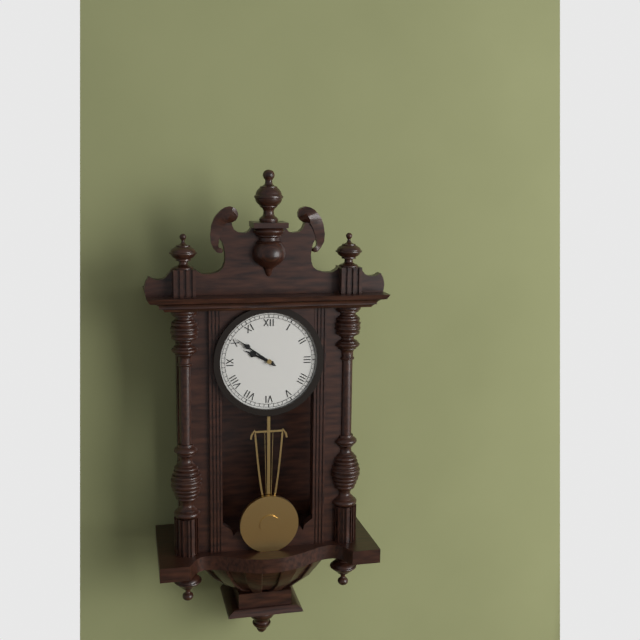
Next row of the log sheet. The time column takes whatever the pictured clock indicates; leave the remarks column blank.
9:51
